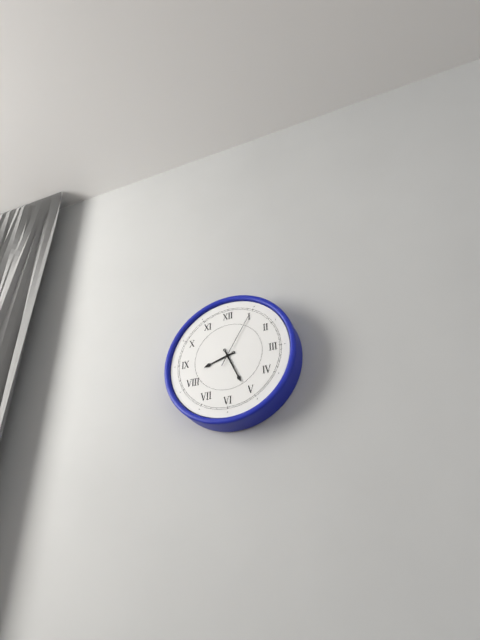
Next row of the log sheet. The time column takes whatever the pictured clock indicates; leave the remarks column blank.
8:26:05
